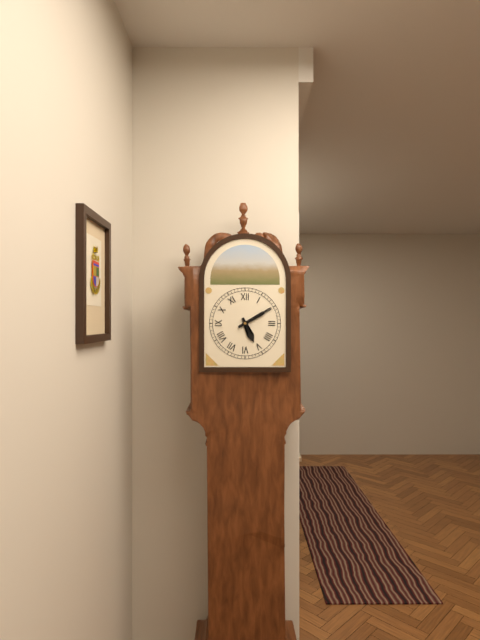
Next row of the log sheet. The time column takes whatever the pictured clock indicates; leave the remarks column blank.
5:10
